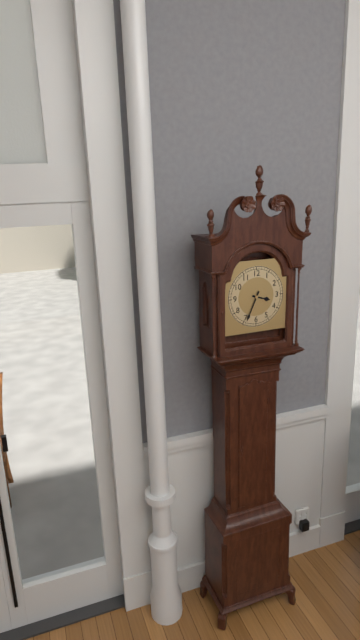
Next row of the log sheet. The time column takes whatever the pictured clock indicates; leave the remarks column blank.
3:34
